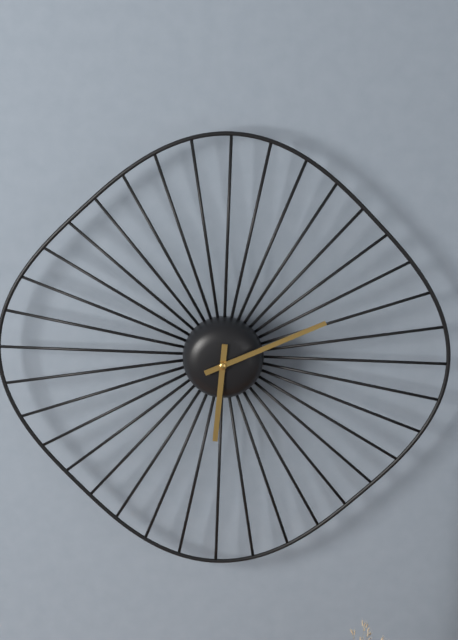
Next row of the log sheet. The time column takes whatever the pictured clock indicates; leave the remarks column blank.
6:11
